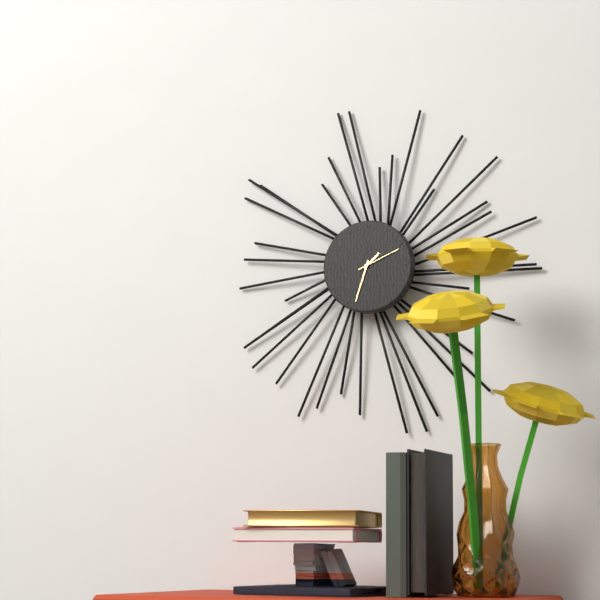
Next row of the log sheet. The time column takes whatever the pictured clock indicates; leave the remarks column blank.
1:33
